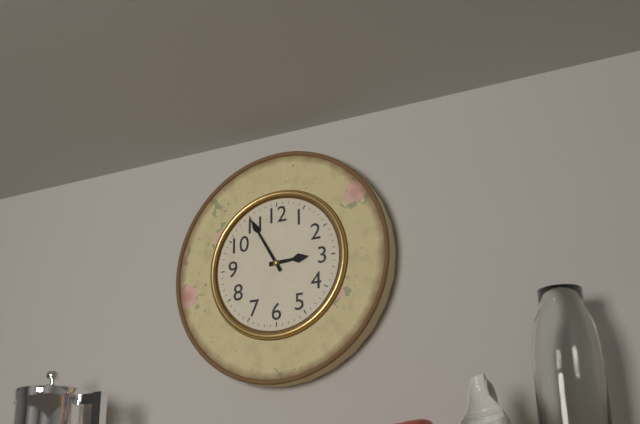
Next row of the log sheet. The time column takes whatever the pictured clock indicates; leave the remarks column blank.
2:55
